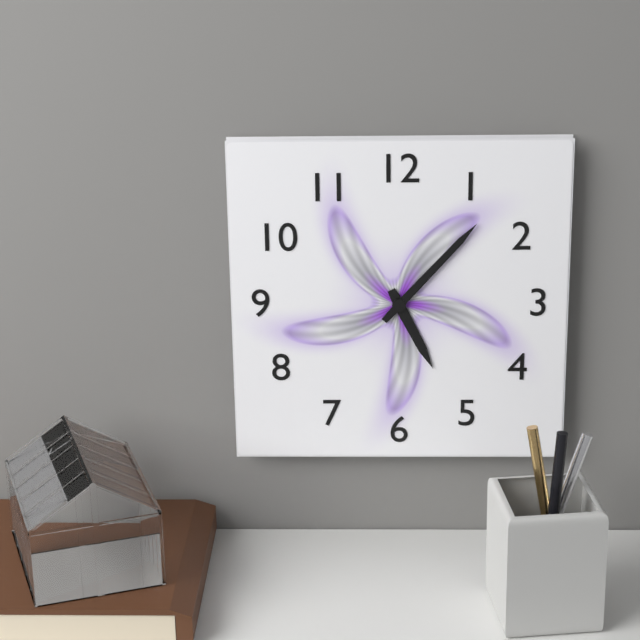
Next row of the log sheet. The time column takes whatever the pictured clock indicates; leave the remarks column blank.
5:07
